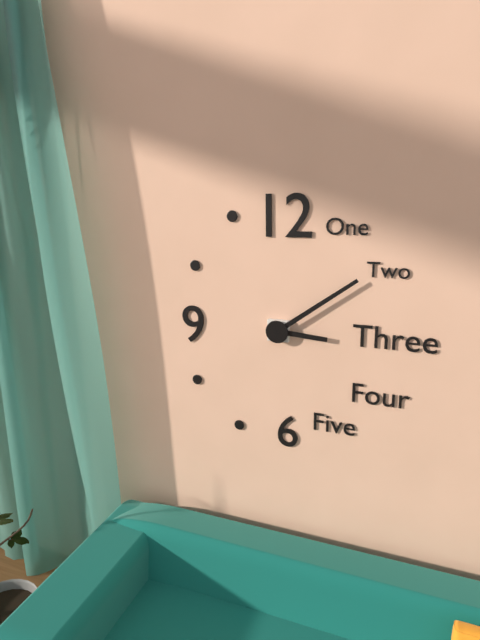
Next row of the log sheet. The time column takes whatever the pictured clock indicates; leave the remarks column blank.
3:09
